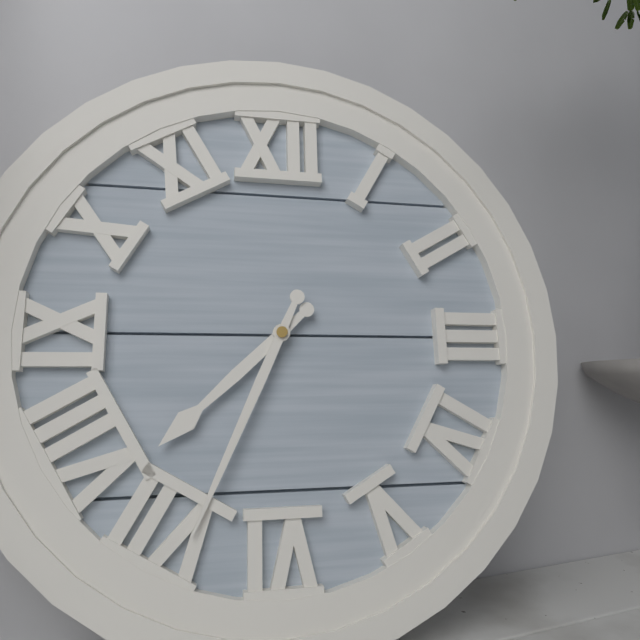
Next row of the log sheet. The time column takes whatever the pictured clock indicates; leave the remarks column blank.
7:34
